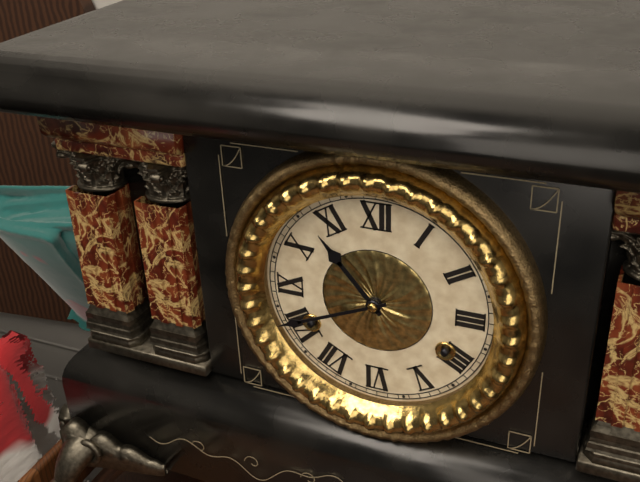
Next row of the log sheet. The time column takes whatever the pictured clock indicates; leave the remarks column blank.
10:41
